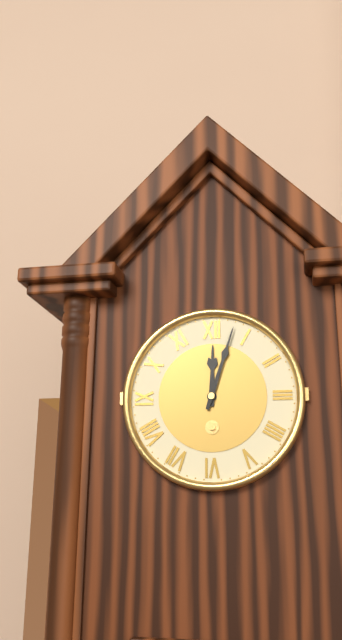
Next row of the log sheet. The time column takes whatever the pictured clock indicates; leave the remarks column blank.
12:03
